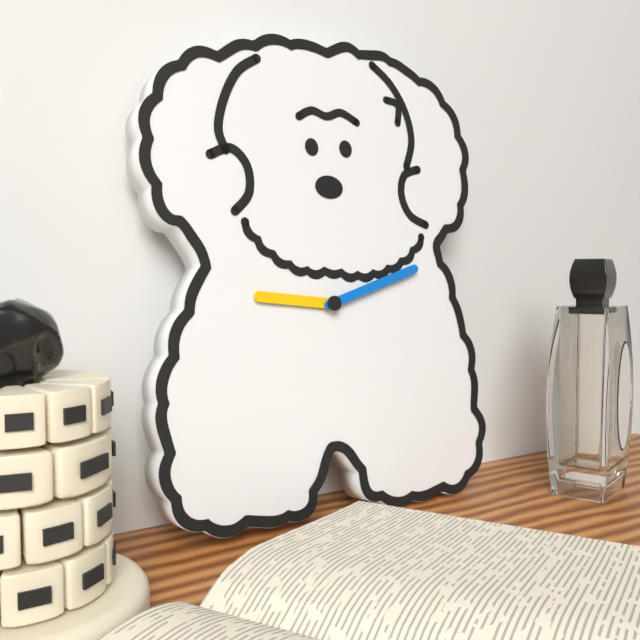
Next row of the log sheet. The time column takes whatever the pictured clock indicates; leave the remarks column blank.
9:12
